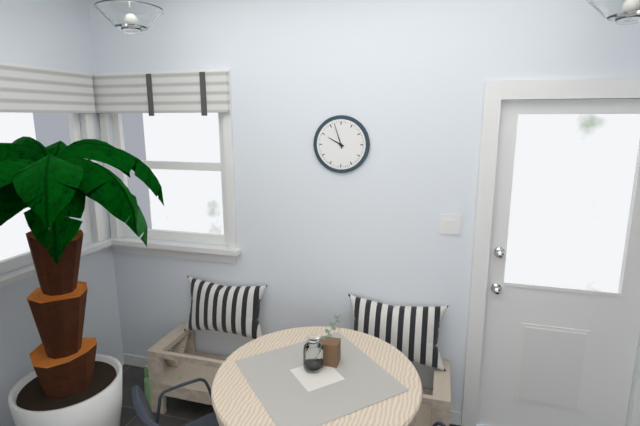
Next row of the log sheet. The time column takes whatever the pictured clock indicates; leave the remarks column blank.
9:57
